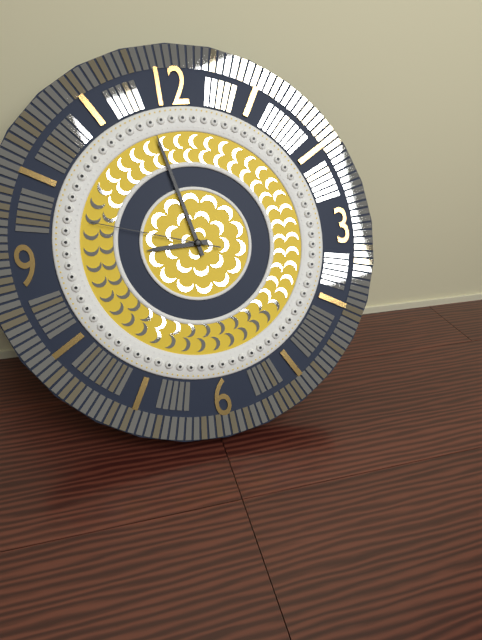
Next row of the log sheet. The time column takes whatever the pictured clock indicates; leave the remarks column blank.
8:58:48
